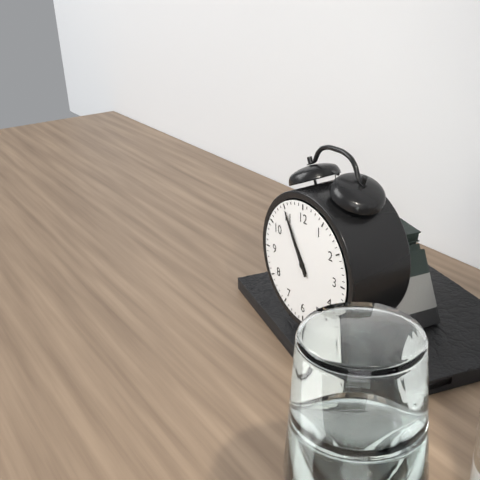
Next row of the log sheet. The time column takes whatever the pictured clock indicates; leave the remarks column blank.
10:55
